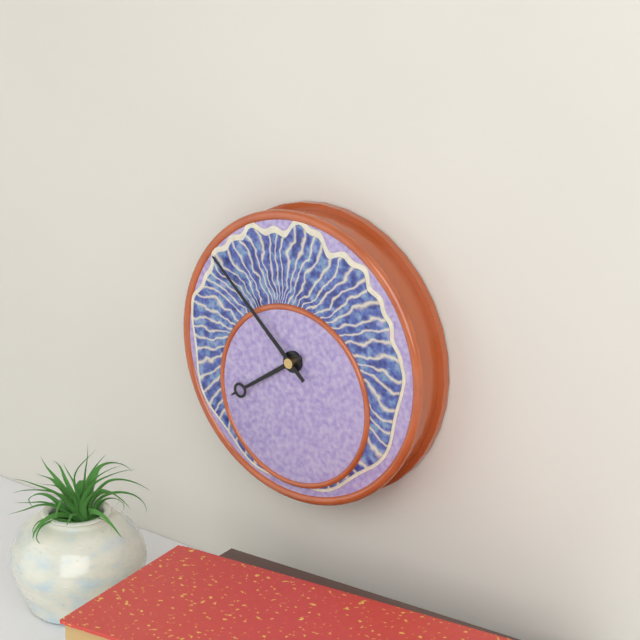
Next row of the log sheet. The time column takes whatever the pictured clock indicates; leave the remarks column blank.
7:52
